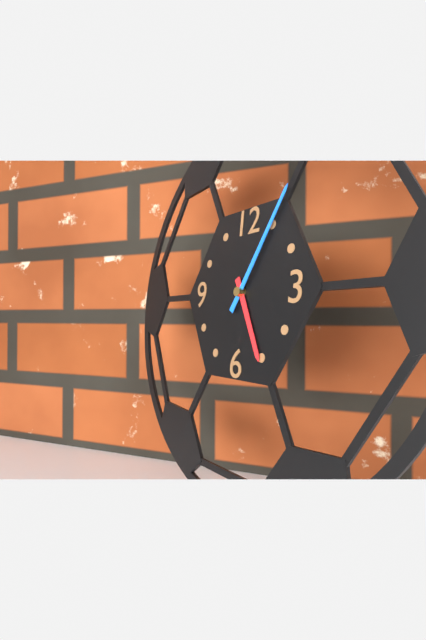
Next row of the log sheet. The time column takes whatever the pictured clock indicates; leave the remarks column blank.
5:05
